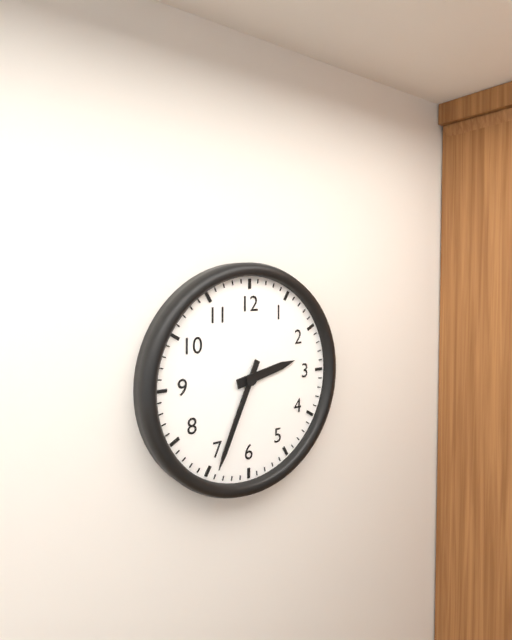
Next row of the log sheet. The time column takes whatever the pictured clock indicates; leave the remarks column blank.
2:34
